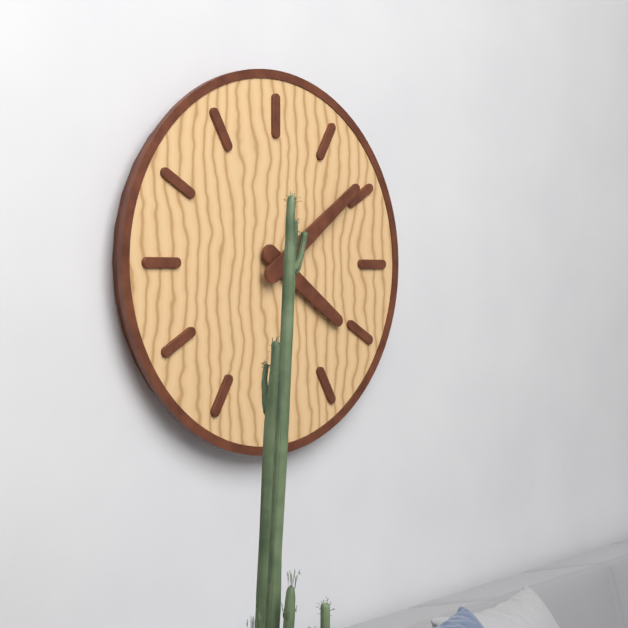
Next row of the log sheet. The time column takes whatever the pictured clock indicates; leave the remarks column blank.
4:09
